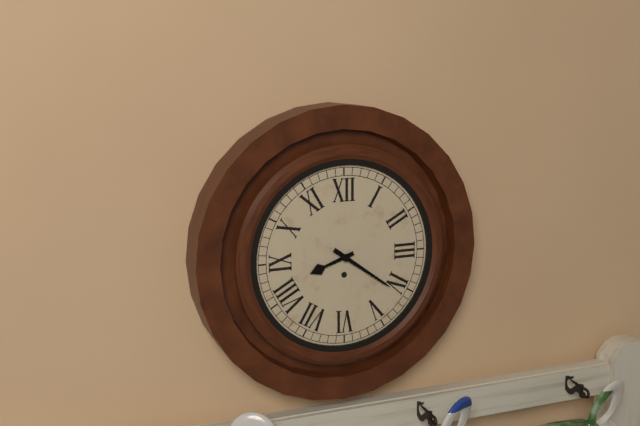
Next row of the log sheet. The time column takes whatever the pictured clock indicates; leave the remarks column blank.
8:21
